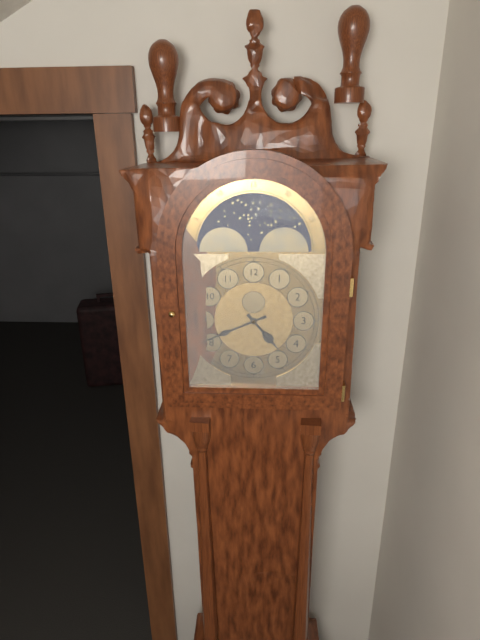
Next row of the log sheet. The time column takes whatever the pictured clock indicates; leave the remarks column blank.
4:41
